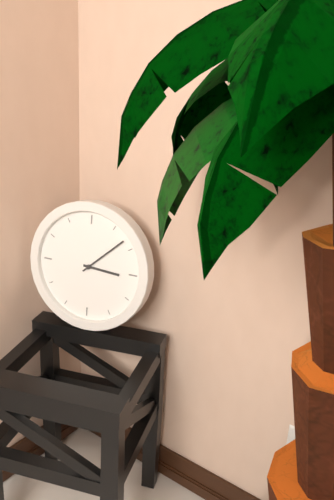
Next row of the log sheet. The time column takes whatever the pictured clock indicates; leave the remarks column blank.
3:08
